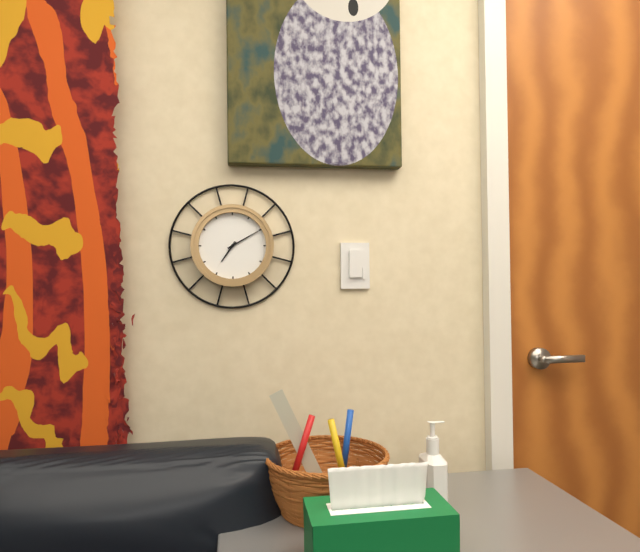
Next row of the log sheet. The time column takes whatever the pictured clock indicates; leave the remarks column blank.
7:10
